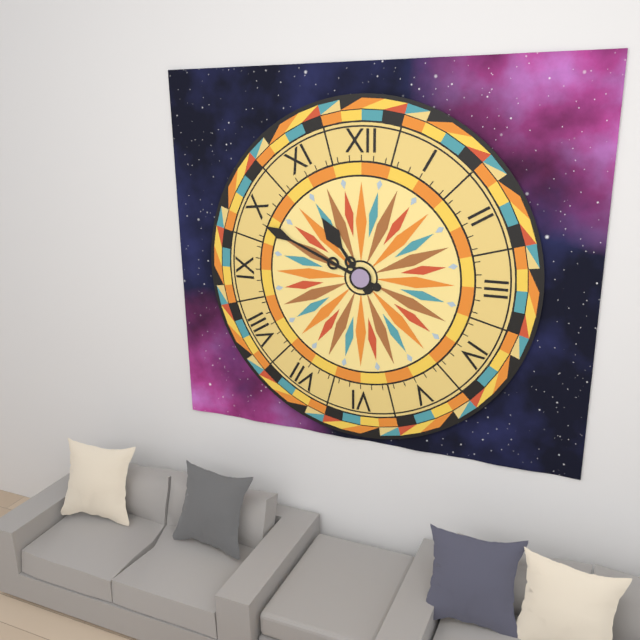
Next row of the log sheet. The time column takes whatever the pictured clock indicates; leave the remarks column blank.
10:49
